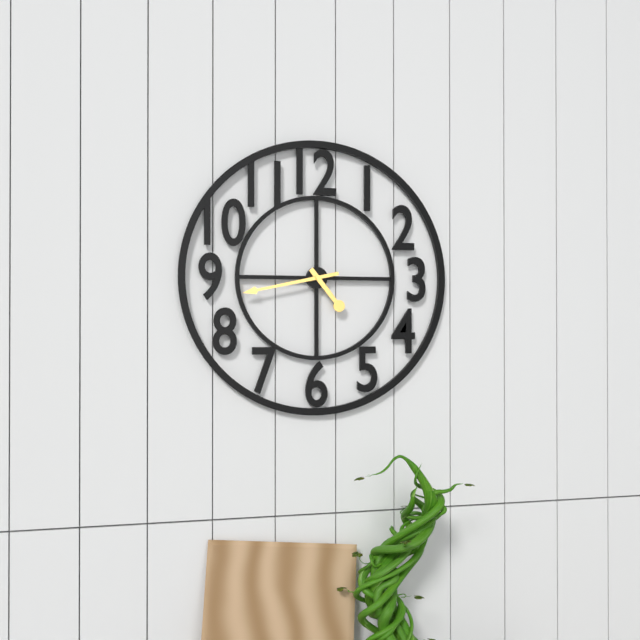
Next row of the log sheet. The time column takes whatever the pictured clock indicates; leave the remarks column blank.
4:43
